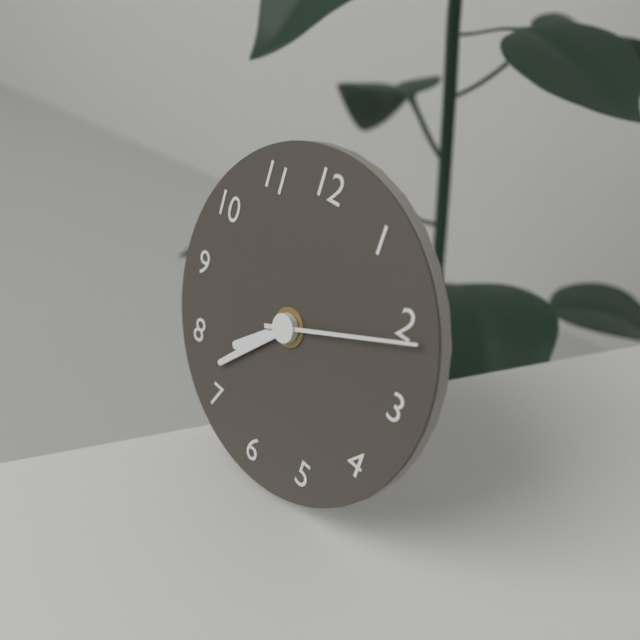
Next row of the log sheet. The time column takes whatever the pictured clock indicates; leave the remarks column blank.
7:37:11
